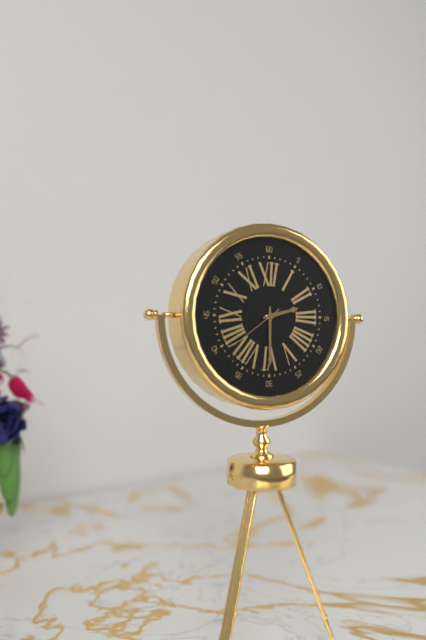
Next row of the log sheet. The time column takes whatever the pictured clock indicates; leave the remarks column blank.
2:30:39
